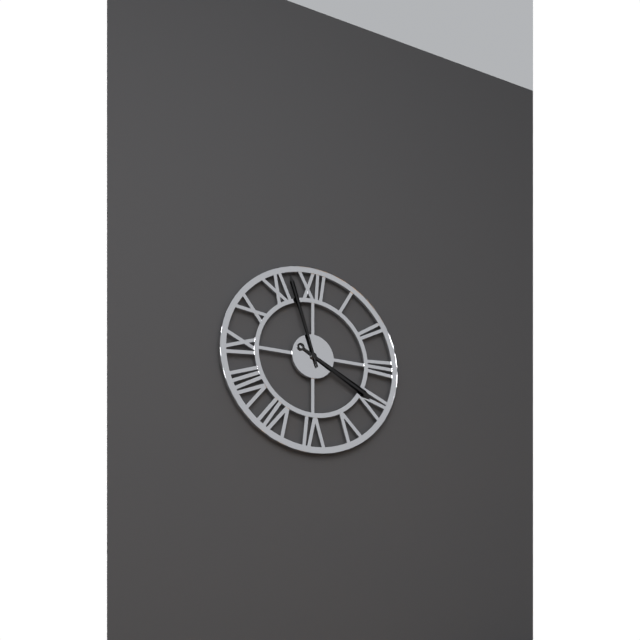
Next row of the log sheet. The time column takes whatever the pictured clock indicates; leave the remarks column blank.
3:57
